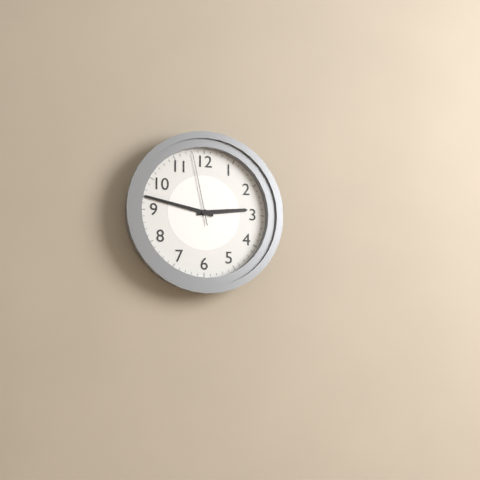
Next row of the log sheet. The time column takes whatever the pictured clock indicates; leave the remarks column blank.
2:47:58
